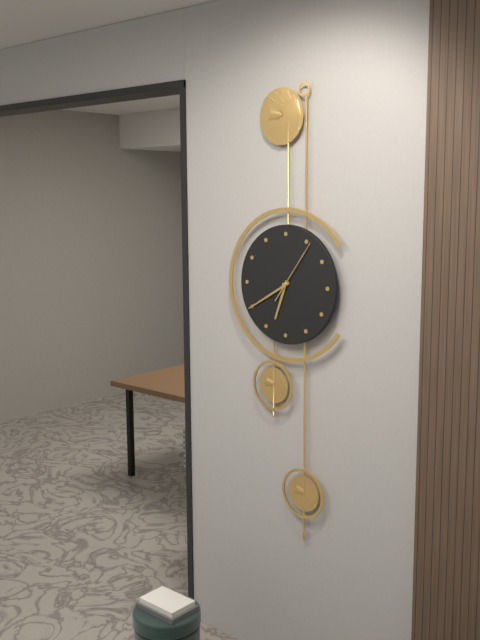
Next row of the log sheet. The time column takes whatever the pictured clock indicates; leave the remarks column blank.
6:40:06
